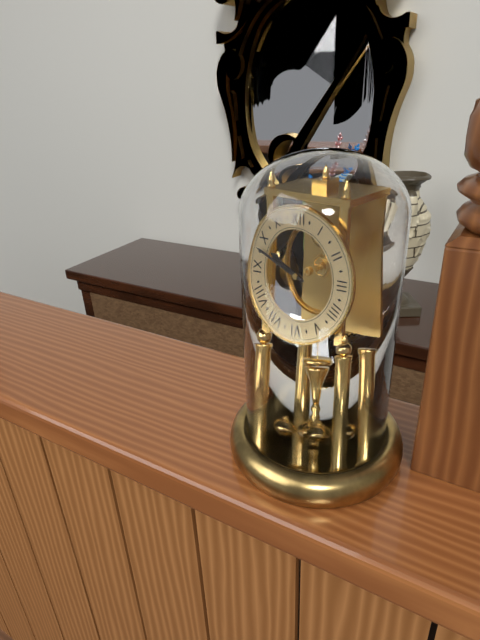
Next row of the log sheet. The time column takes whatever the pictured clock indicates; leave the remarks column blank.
9:48
